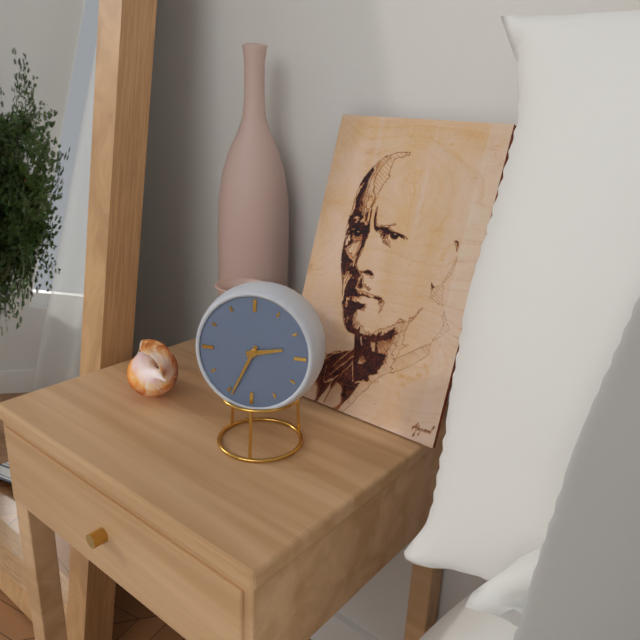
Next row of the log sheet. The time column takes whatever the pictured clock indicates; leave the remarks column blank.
2:34
